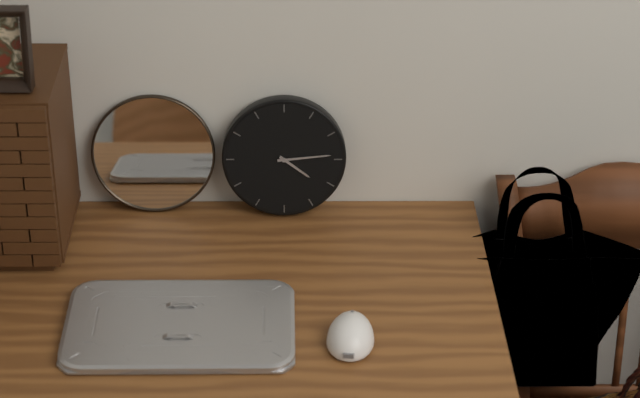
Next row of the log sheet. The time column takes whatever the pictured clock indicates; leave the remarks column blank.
4:14
